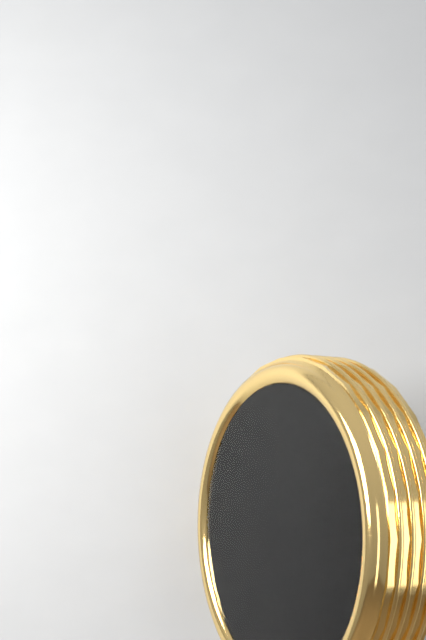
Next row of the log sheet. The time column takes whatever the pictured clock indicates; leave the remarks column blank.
3:19
